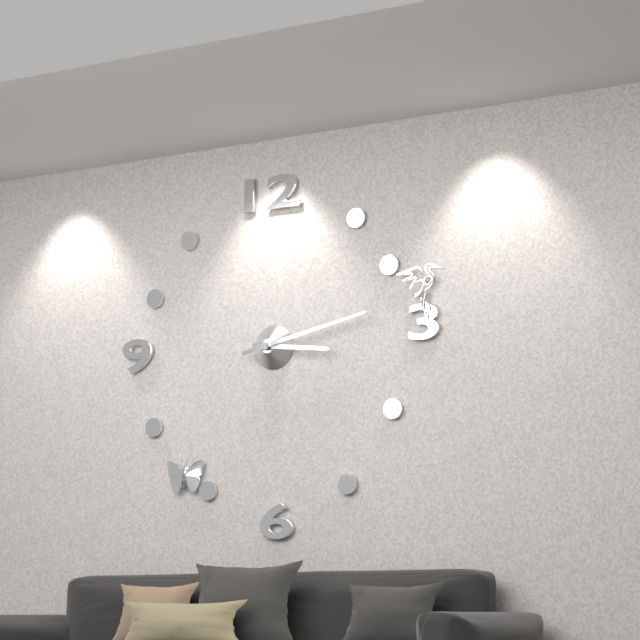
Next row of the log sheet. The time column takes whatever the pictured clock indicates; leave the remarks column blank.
3:13
